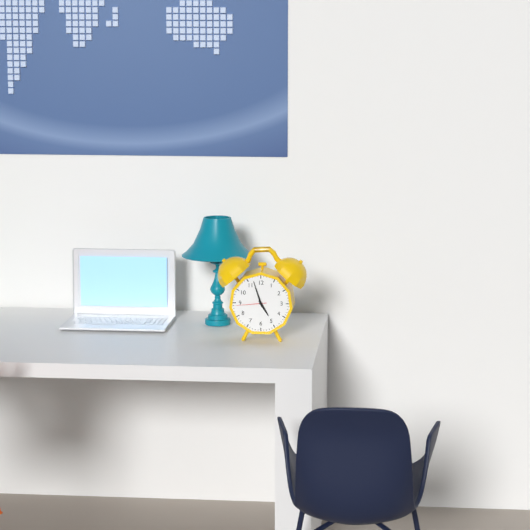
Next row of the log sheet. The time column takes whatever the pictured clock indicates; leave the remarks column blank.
4:57
